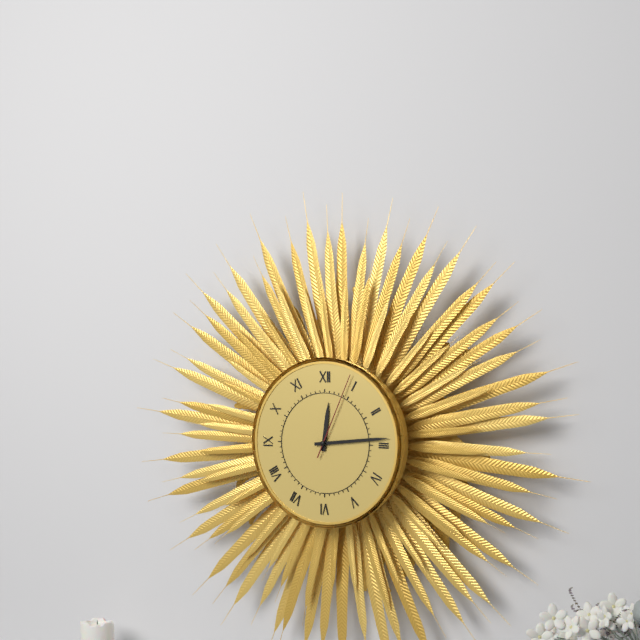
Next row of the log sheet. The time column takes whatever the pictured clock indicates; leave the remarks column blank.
12:14:04
